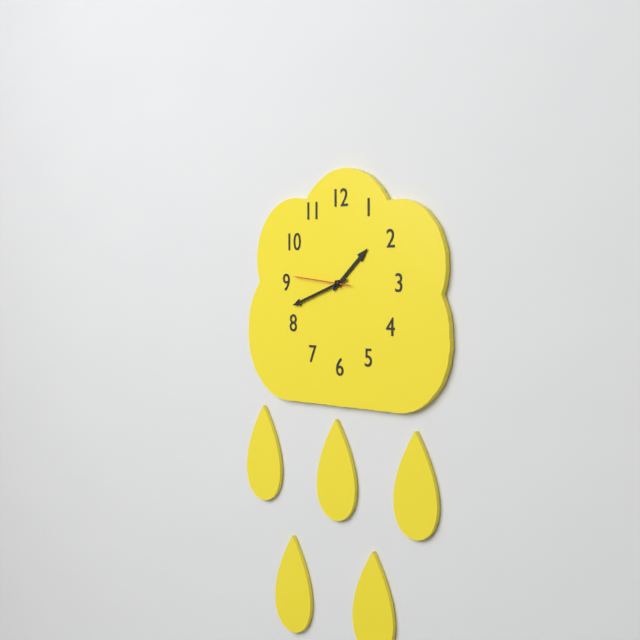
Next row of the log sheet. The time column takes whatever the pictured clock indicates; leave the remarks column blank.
1:42:46
